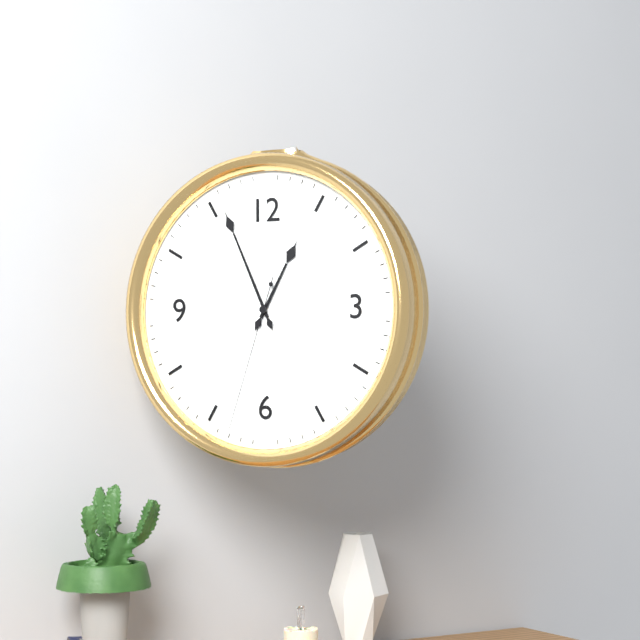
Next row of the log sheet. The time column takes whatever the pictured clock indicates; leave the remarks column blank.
12:56:33
